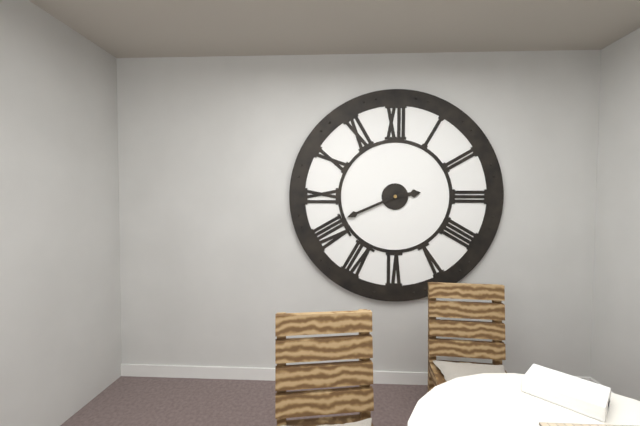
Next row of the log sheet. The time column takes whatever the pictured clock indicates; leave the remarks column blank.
2:41
